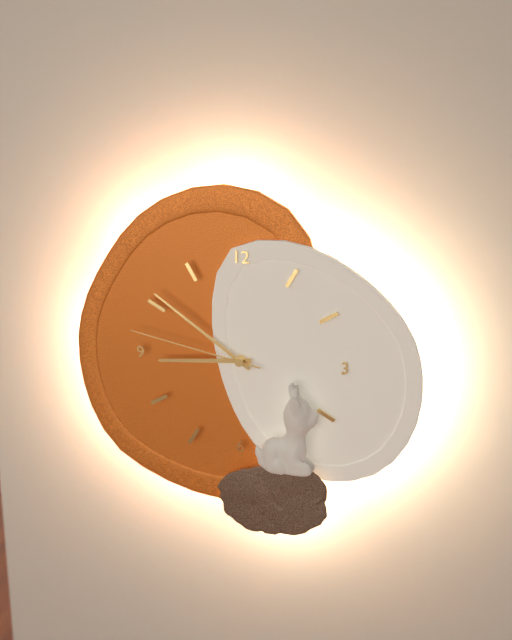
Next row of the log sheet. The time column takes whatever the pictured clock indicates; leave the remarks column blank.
8:51:47
